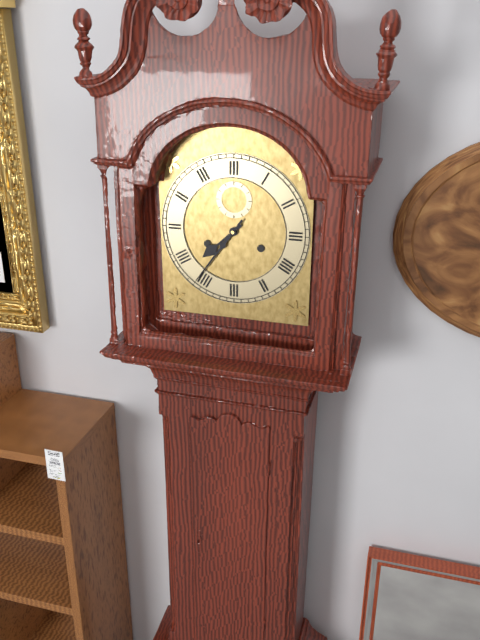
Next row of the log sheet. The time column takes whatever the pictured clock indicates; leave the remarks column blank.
7:36
